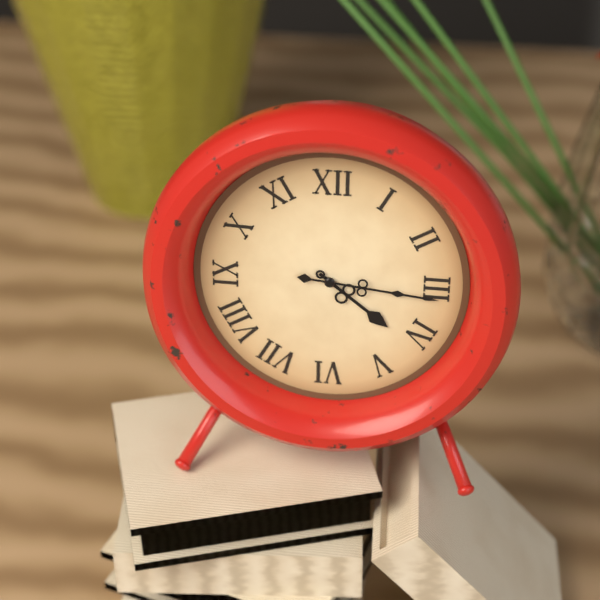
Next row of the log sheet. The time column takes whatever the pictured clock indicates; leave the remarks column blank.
4:16
